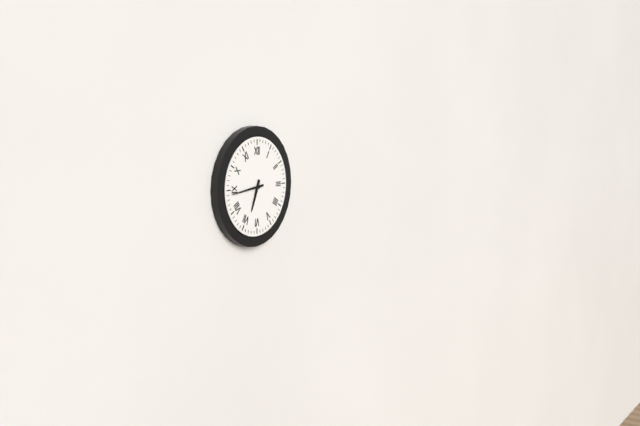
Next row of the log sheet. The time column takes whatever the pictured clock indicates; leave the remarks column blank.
6:44
